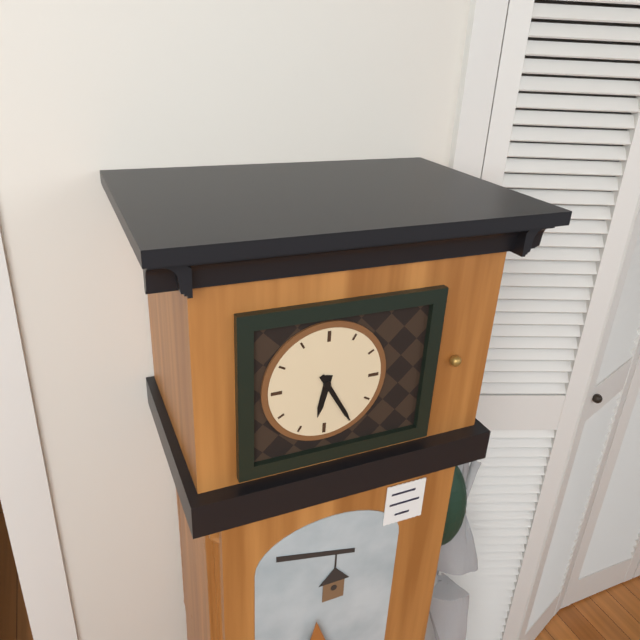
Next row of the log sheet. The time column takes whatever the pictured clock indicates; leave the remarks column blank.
6:25
